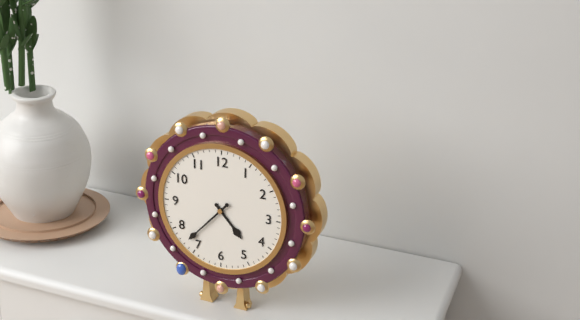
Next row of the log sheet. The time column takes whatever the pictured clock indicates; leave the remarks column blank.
4:37
